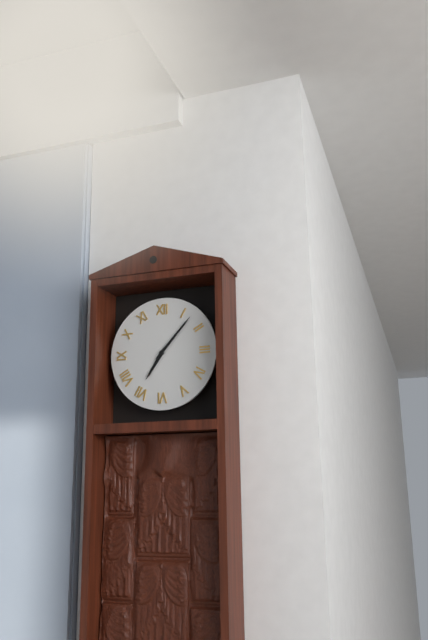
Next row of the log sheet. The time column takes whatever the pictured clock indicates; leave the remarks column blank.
7:07
